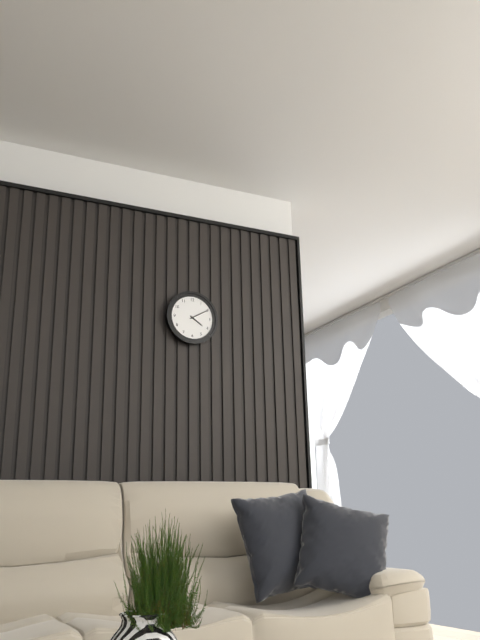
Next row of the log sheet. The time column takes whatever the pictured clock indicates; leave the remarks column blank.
4:10
